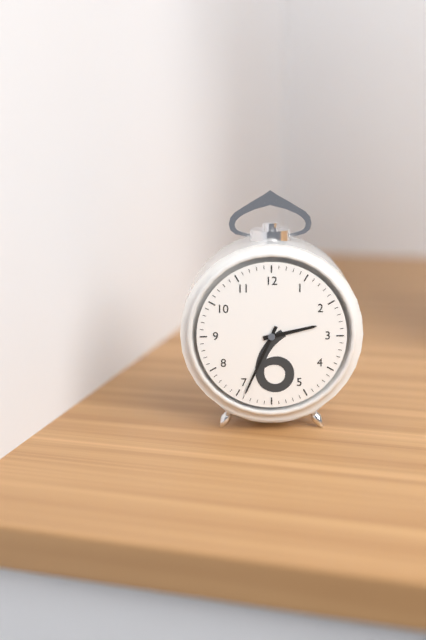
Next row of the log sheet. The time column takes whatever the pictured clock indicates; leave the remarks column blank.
2:34
